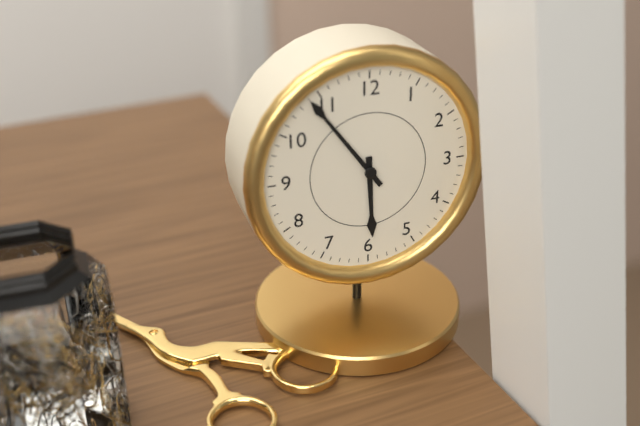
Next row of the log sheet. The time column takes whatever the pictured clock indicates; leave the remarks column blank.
5:54
